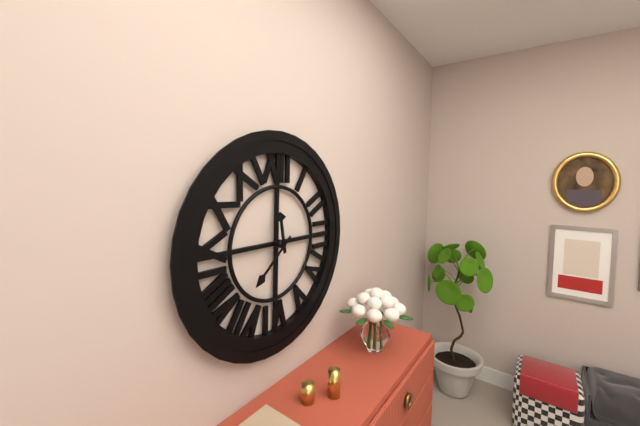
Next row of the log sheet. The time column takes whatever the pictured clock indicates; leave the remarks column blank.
11:38
